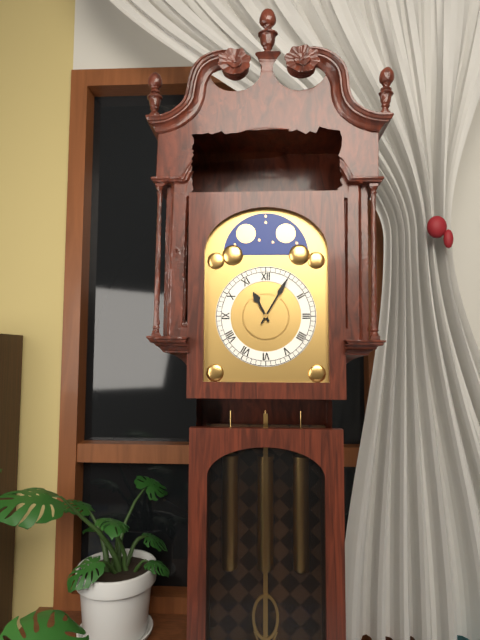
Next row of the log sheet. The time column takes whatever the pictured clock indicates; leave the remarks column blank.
11:05
